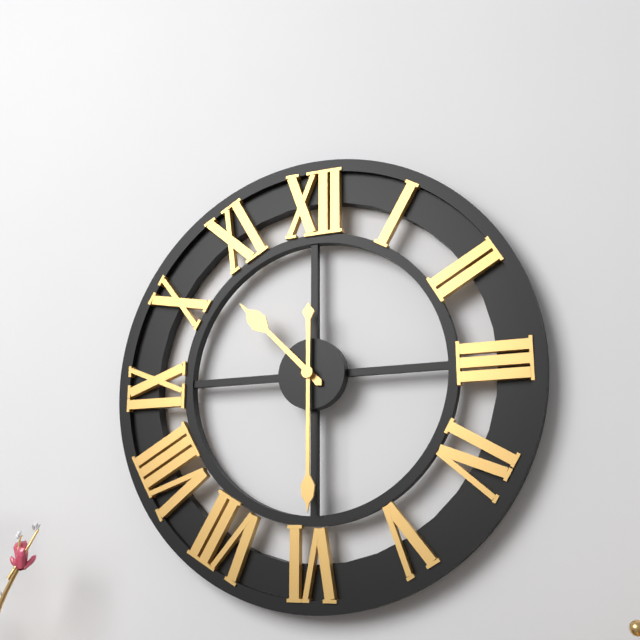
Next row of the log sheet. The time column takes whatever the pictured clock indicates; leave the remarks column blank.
10:30
